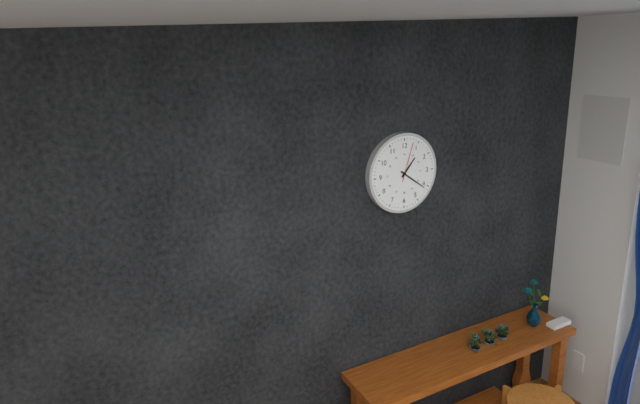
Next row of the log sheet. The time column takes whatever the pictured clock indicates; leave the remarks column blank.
1:21
